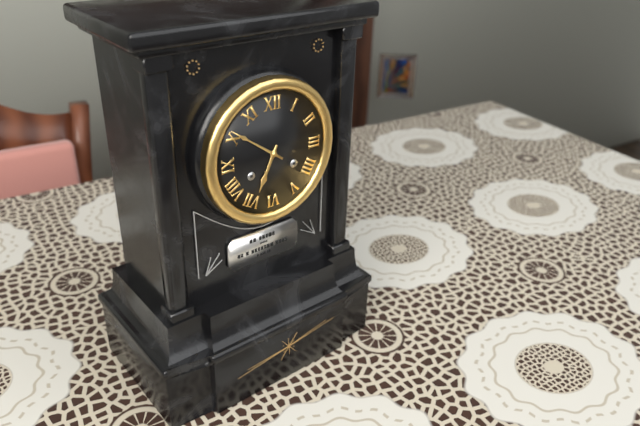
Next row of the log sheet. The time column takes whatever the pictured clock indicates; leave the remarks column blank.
6:51
